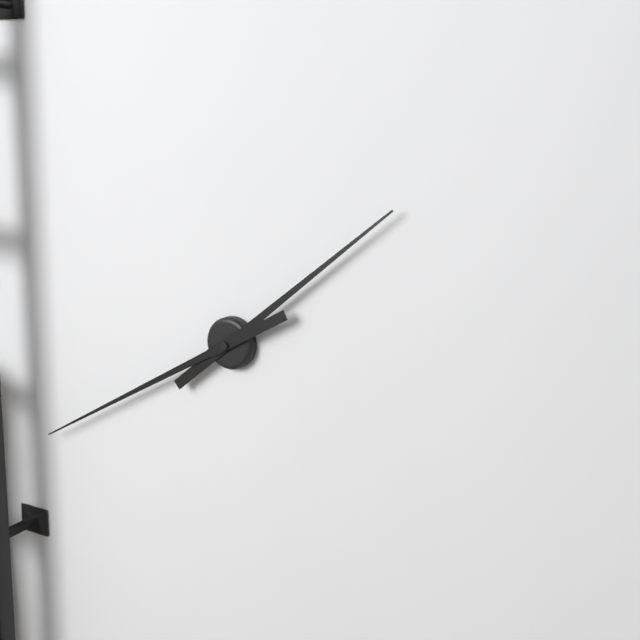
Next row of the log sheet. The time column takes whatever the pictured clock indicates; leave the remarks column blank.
1:40
